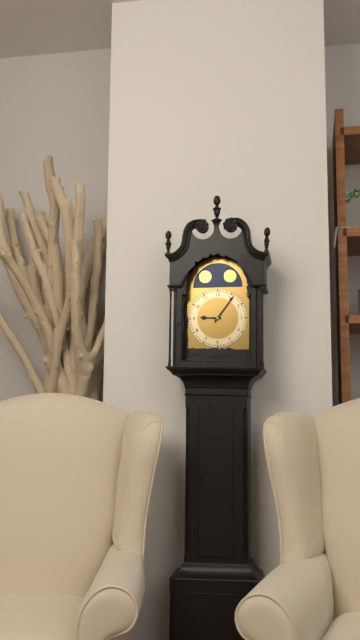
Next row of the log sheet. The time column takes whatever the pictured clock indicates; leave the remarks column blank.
9:06
